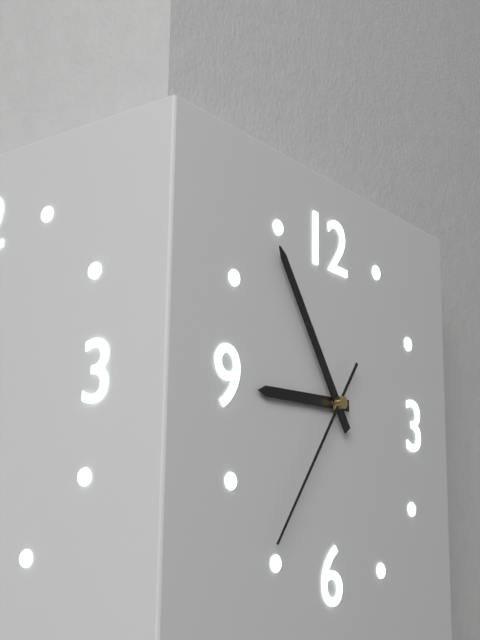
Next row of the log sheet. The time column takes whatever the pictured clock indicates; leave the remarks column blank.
8:54:36
